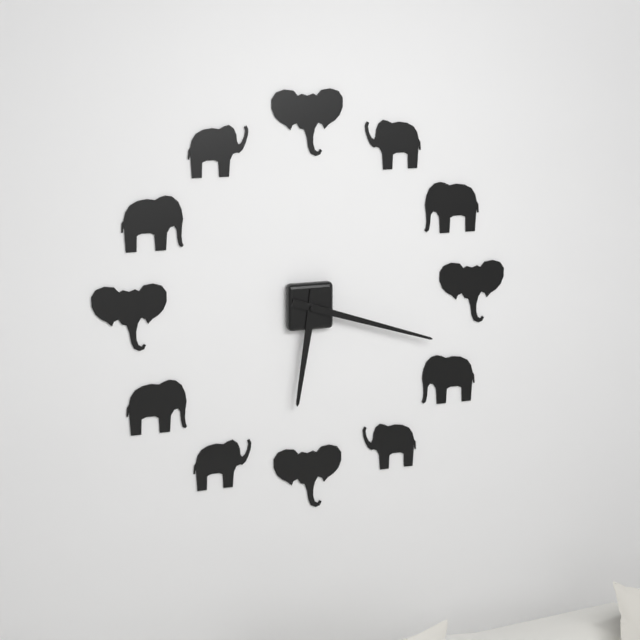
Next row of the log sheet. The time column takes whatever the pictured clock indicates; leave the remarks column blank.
6:18
